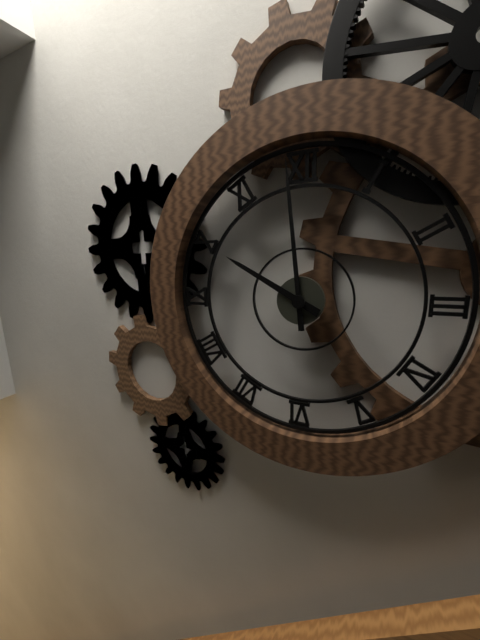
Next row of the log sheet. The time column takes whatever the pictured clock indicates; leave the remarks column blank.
9:59
